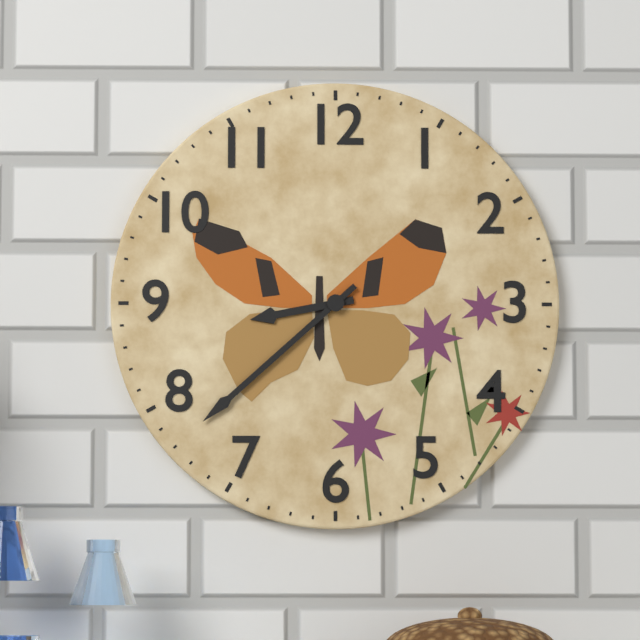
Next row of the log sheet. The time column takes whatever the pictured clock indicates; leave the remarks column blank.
8:38
